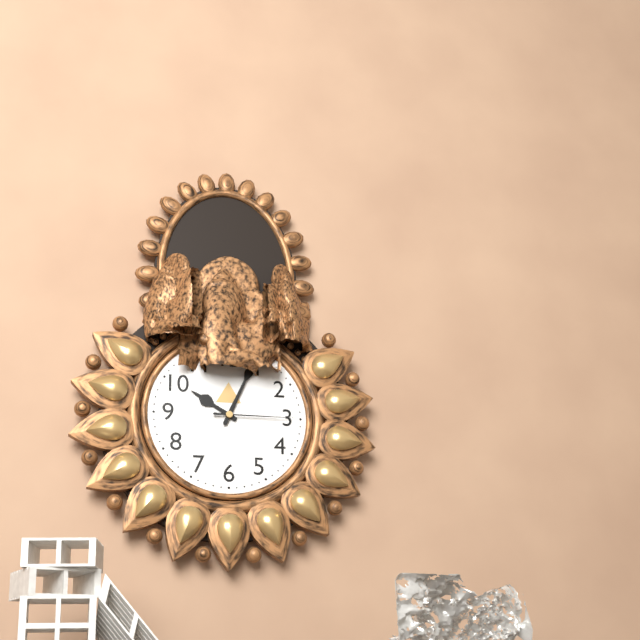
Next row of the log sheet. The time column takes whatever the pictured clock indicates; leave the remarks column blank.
10:04:15
